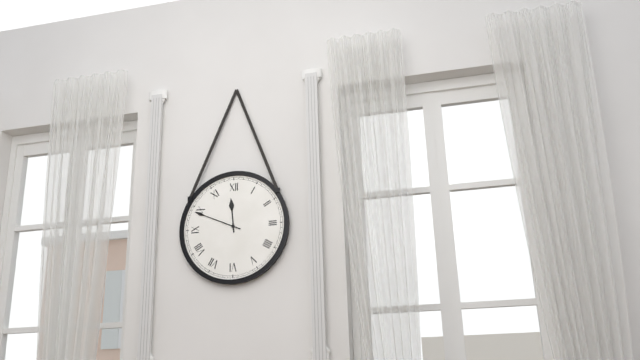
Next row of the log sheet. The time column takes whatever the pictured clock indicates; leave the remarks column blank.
11:49
